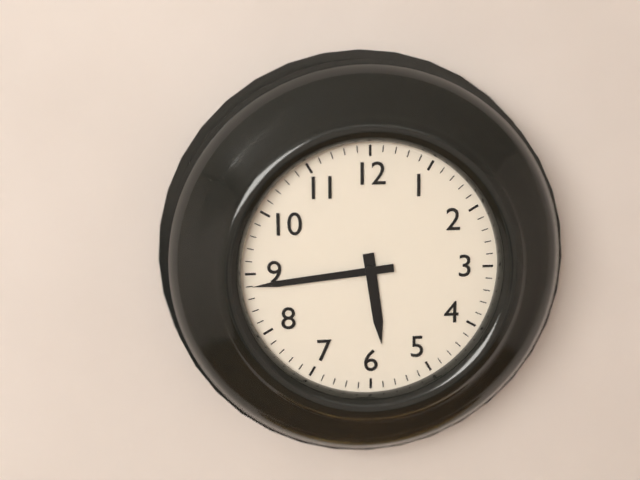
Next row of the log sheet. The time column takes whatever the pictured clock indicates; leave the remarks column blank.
5:44
